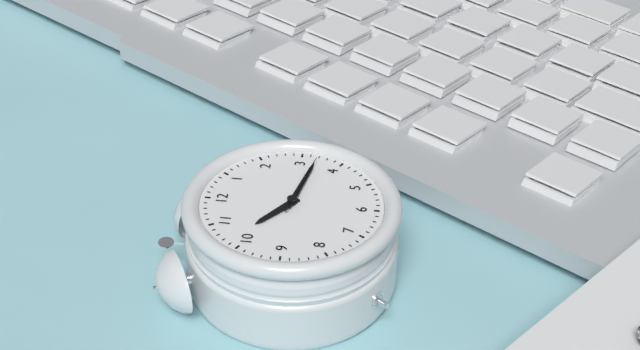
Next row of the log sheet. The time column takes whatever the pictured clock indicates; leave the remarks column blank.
10:17:17
